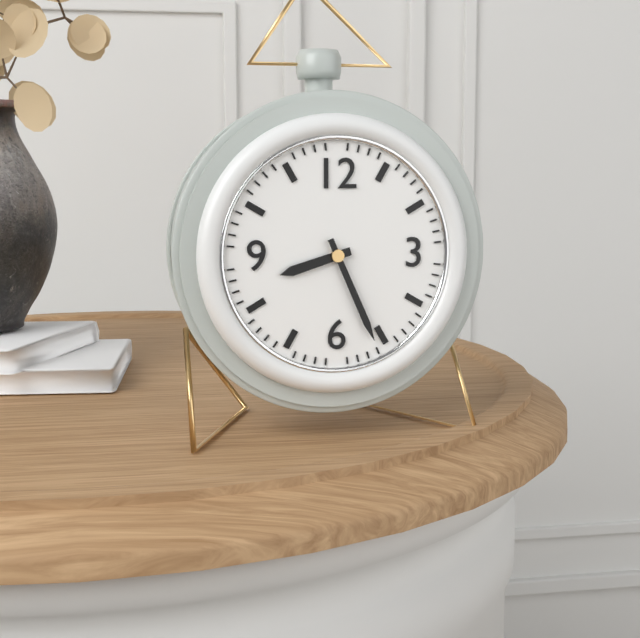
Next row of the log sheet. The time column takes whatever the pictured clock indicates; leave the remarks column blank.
8:26
